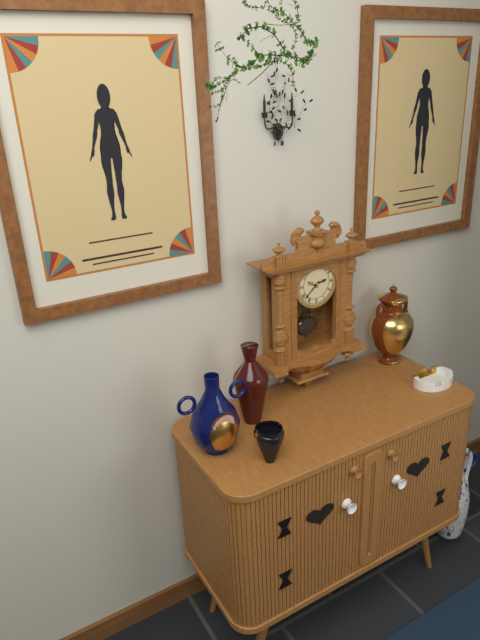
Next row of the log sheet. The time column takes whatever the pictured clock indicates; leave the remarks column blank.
2:38
